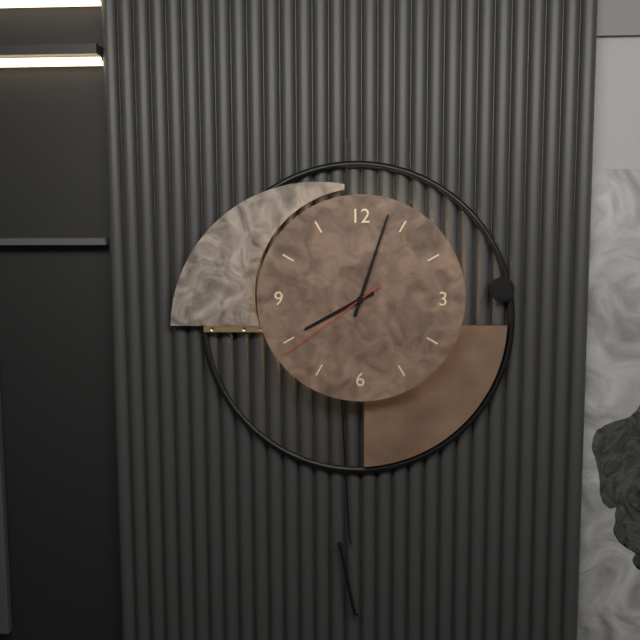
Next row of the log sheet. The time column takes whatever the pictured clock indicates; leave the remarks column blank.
8:03:39
